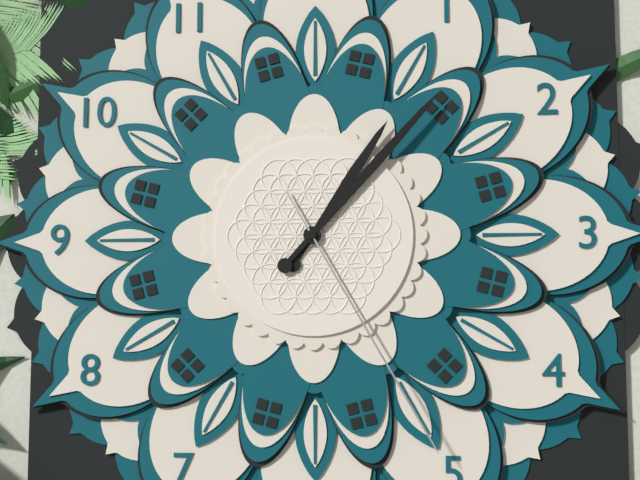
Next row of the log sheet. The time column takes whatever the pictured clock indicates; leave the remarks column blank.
1:07:25
